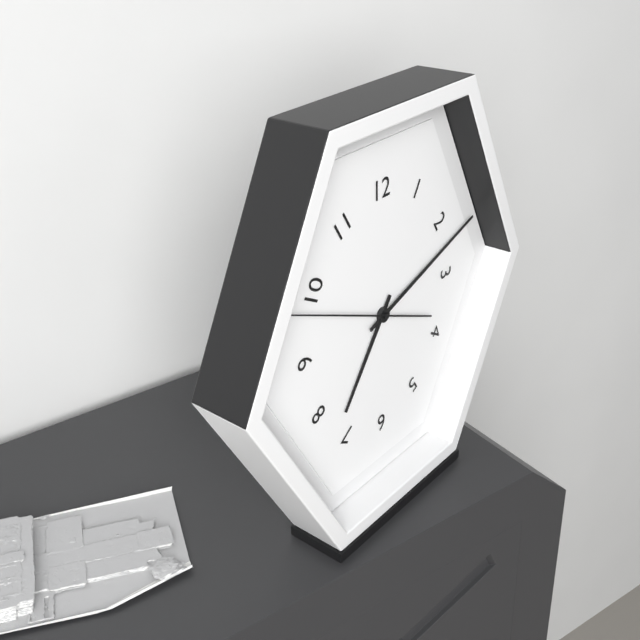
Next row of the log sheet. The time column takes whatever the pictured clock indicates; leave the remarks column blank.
7:12:49
